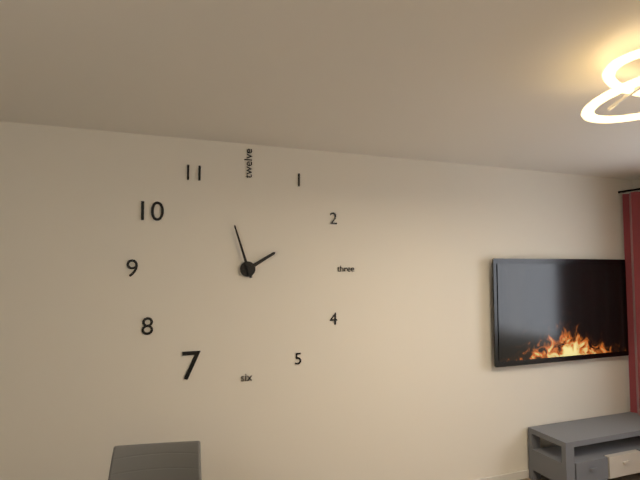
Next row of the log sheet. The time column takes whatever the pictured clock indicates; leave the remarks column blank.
1:57
